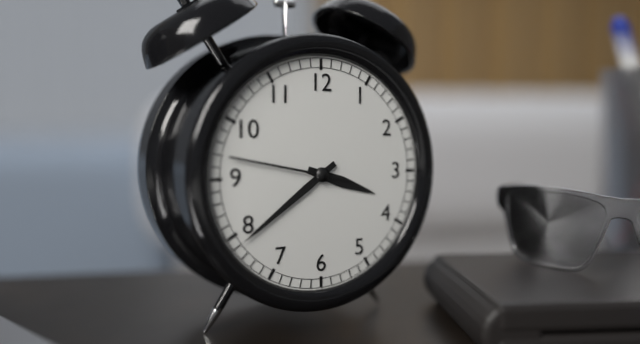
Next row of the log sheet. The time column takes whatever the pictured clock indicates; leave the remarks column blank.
3:39:47
